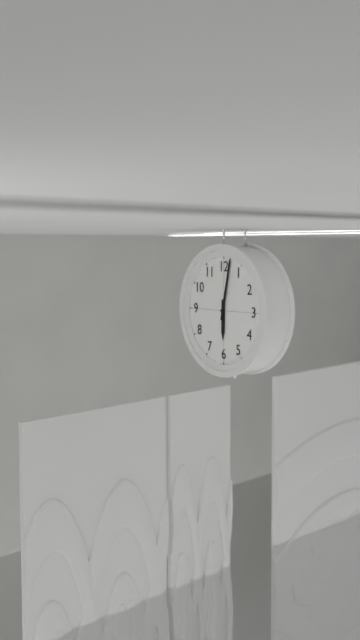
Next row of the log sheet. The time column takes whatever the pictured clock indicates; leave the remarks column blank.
6:02
